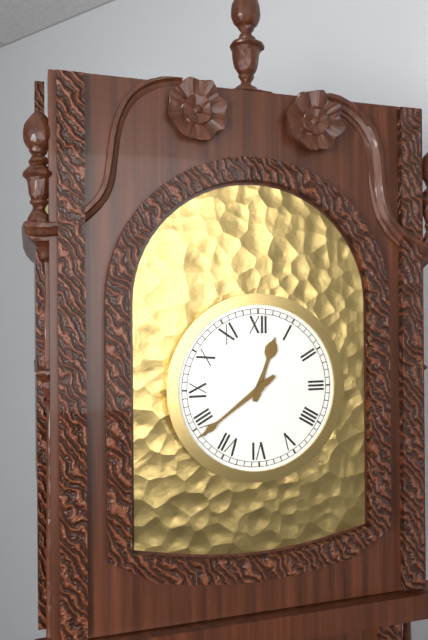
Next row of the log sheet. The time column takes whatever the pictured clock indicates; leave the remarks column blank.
12:39
